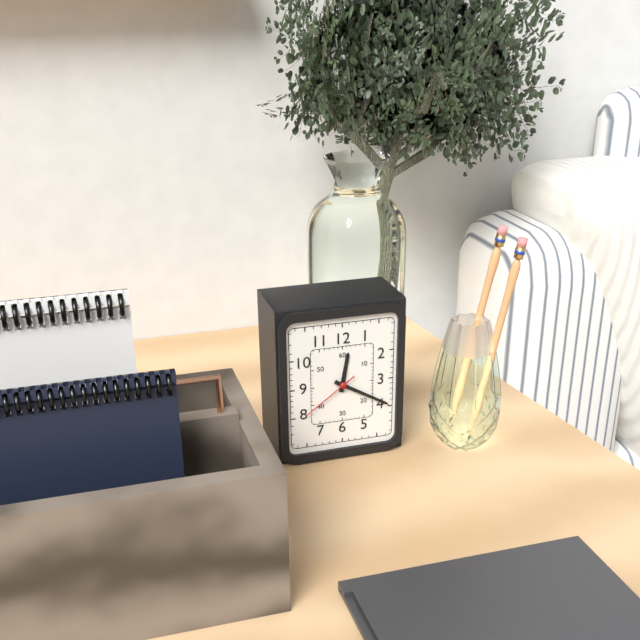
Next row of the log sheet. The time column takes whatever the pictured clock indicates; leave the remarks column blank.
12:20:39
